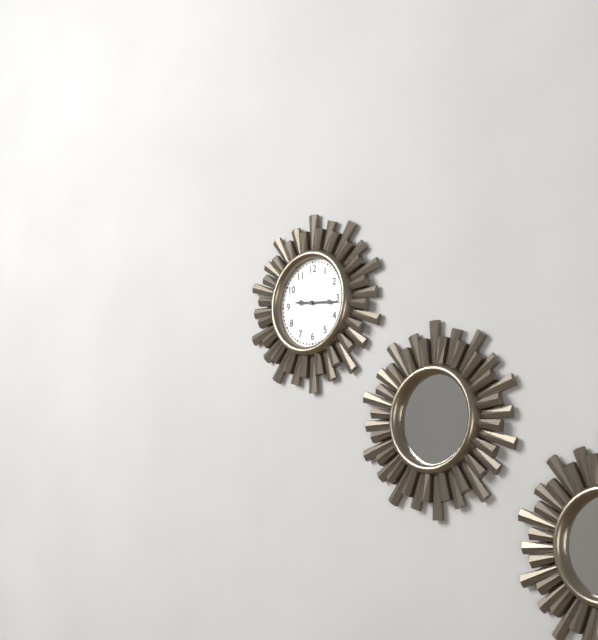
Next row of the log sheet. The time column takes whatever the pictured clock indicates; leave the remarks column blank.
9:16
